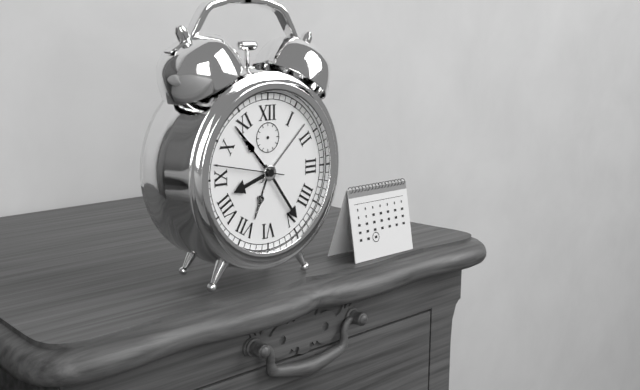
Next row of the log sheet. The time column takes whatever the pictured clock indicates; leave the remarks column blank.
8:24:47
